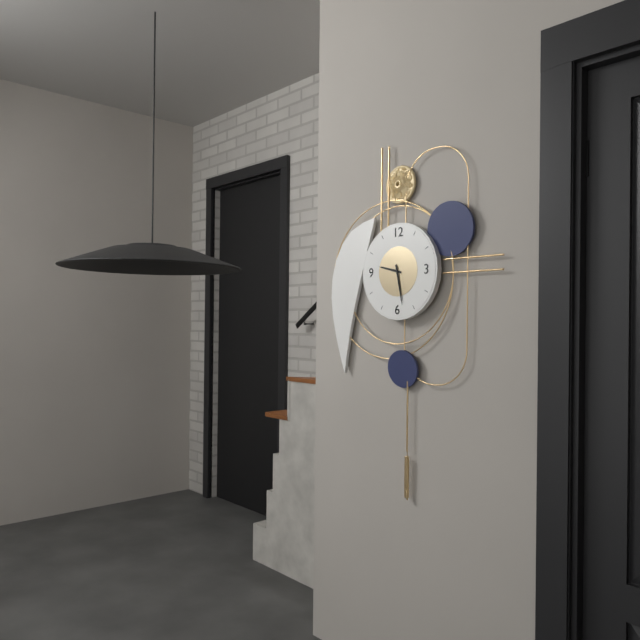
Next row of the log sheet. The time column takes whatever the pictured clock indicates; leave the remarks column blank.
9:28
